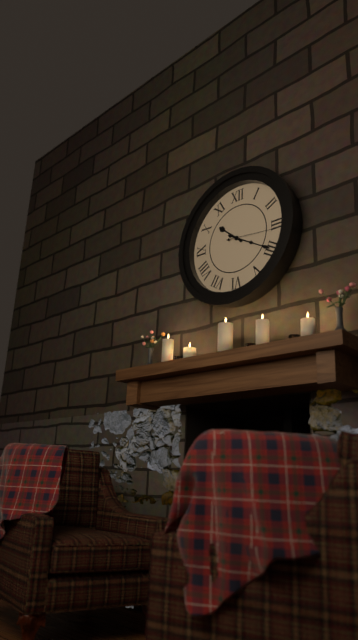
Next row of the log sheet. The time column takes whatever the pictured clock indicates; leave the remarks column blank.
10:20
